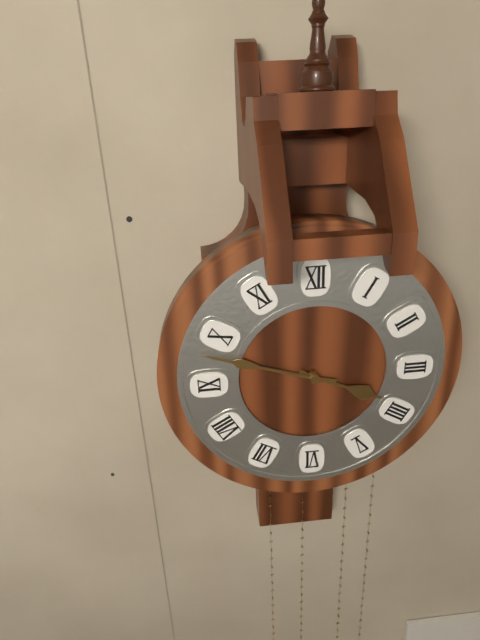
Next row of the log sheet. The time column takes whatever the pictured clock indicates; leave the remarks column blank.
3:48
